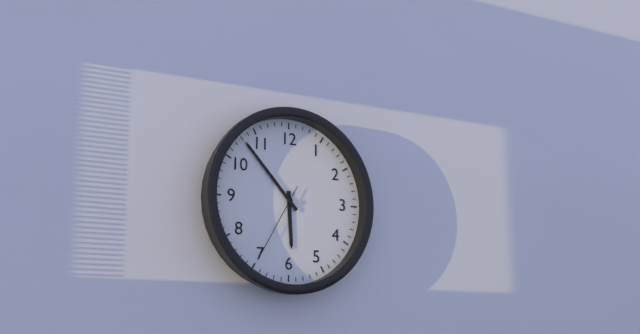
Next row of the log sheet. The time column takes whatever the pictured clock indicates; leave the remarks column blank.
5:53:35
